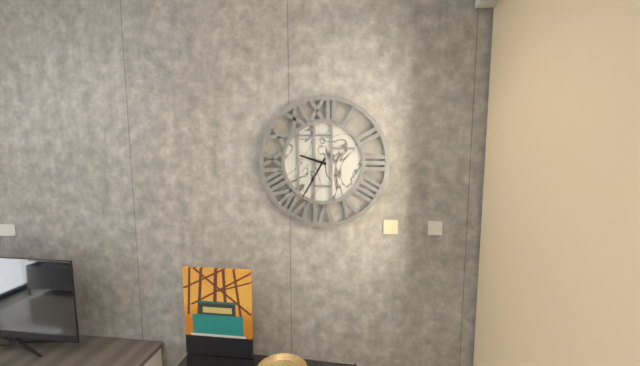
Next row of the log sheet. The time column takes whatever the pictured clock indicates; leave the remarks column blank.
9:35
